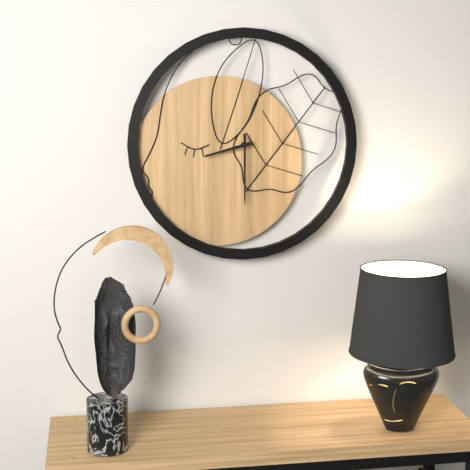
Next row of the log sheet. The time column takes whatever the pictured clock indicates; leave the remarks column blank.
8:30
